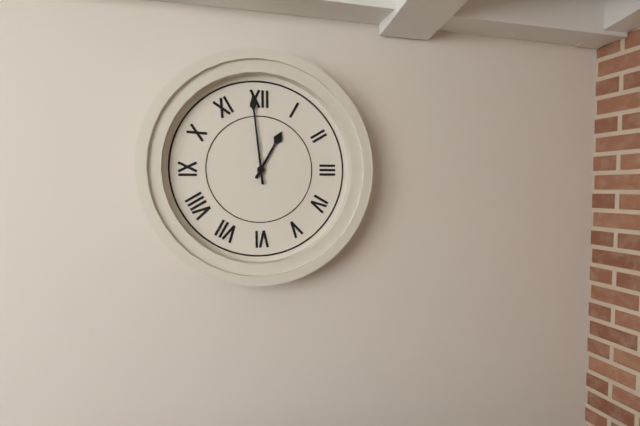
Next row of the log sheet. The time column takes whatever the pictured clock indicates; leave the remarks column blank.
12:59
